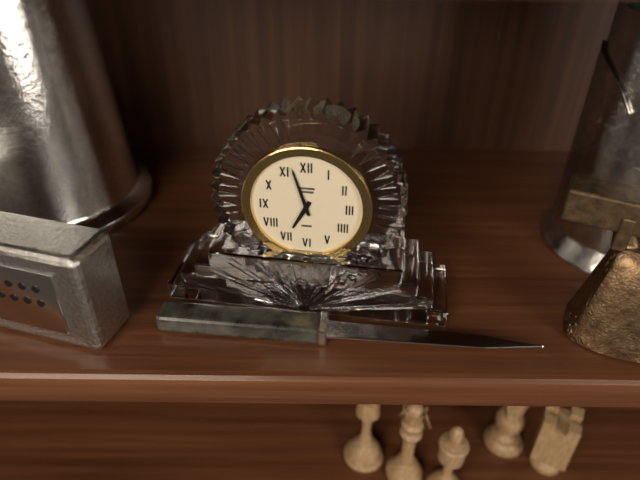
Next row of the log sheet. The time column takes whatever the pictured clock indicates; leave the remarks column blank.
6:57
